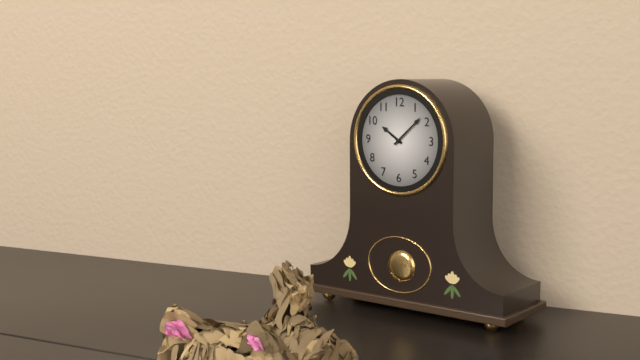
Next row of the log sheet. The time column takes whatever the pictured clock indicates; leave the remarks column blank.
10:08
